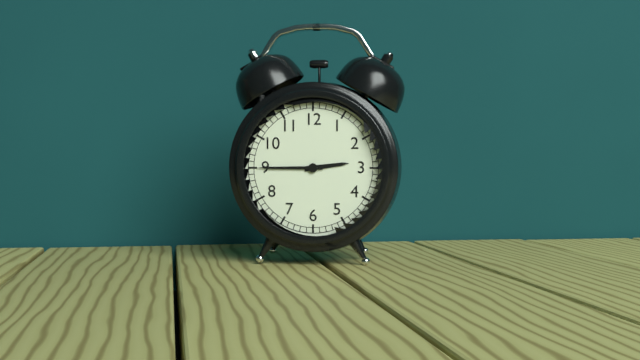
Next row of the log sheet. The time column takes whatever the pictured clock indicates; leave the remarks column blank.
2:45
